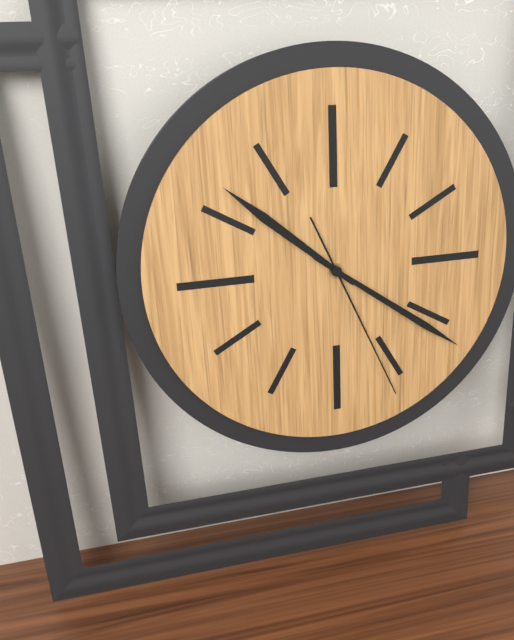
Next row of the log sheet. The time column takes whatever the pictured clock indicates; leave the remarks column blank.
10:21:26
